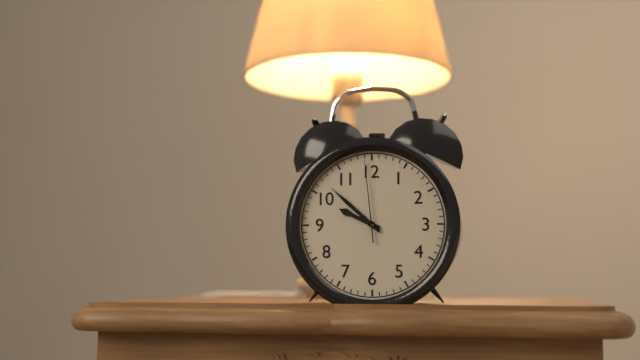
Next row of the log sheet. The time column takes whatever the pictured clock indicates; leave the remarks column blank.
9:52:59
